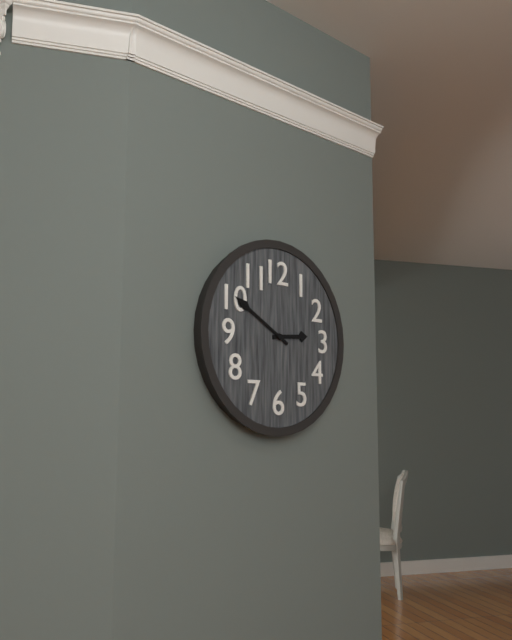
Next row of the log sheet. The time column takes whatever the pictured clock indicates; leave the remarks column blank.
2:50
